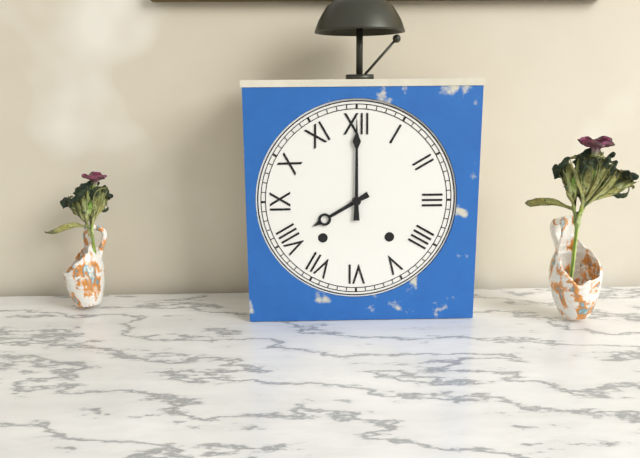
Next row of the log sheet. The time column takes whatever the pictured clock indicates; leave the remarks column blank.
8:00
